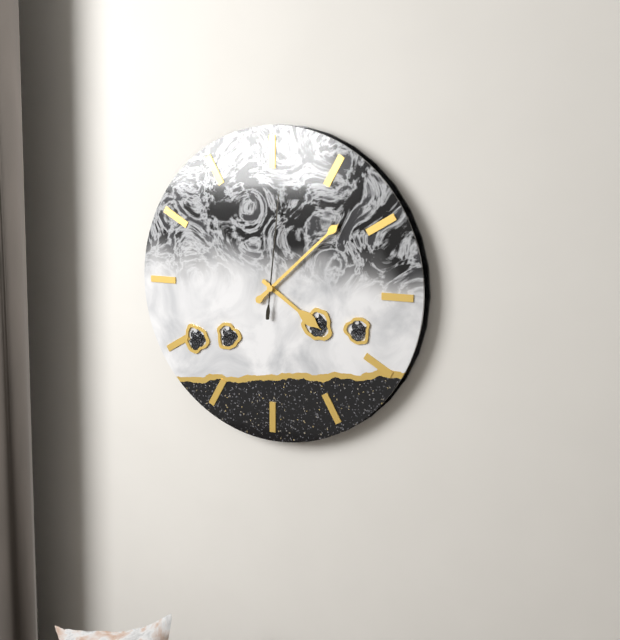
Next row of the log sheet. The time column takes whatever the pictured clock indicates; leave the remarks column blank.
4:08:01
